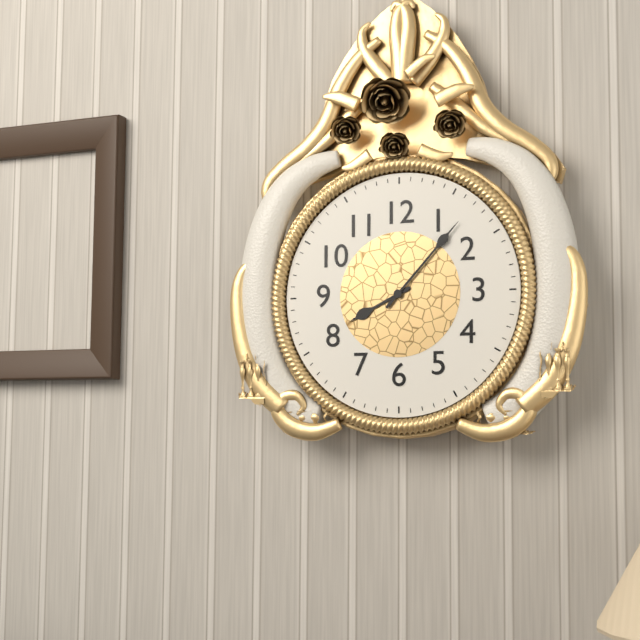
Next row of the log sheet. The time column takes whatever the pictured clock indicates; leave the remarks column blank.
8:07
